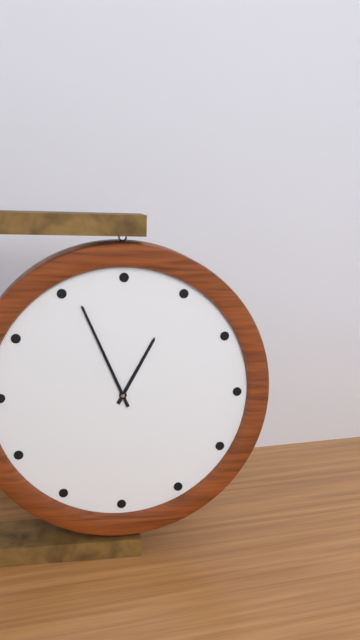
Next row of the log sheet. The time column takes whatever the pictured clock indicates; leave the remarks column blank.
12:56
